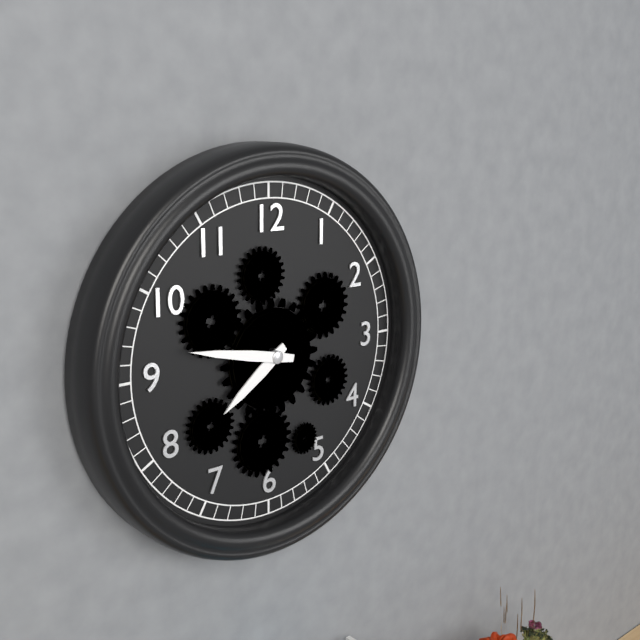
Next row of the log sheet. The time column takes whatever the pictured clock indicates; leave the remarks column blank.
7:47
